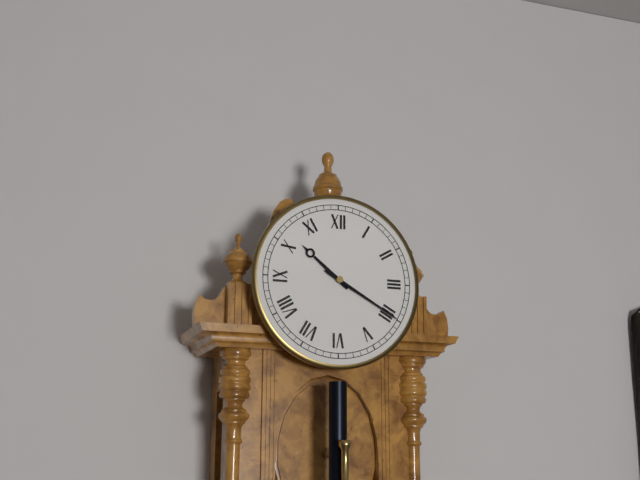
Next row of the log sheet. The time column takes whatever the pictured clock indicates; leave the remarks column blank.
10:20
